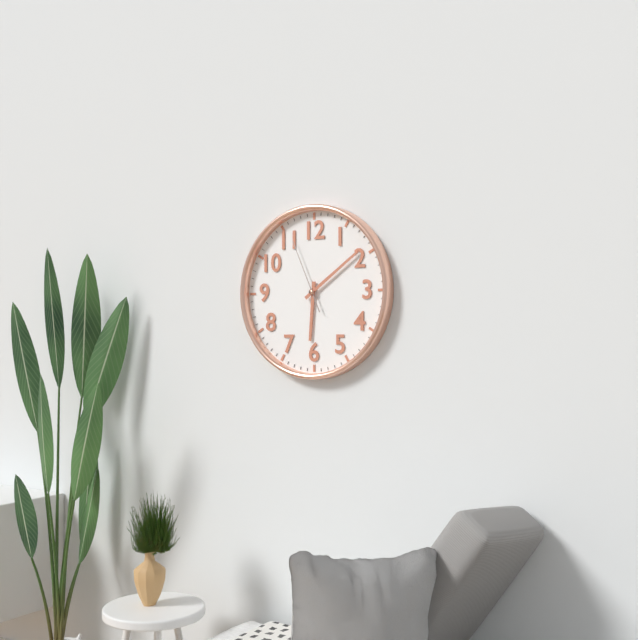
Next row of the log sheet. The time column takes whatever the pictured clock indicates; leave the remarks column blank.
6:09:56
